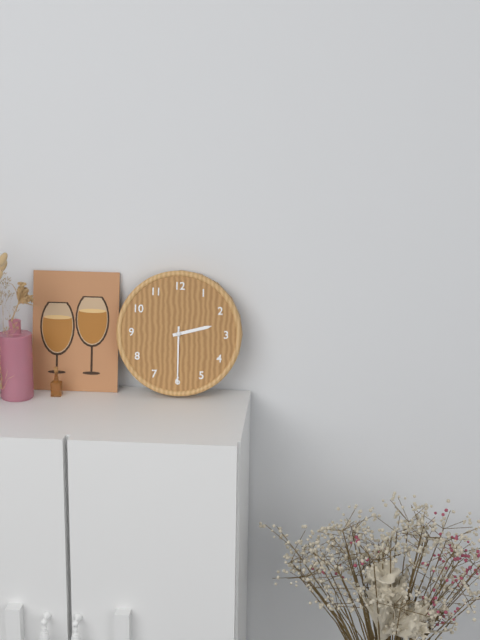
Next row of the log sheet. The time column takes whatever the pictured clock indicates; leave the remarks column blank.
2:30
